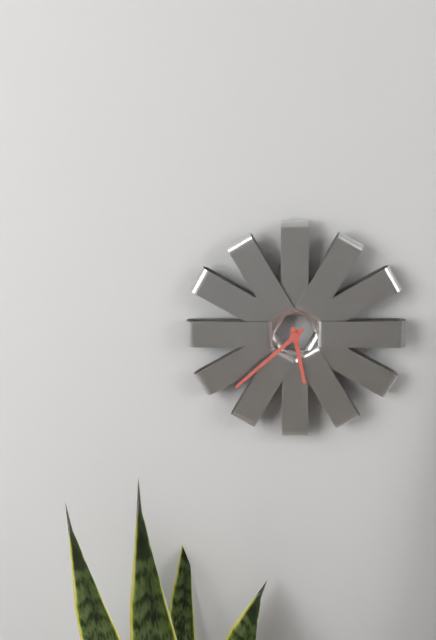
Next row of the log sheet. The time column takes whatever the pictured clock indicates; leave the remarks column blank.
5:38
